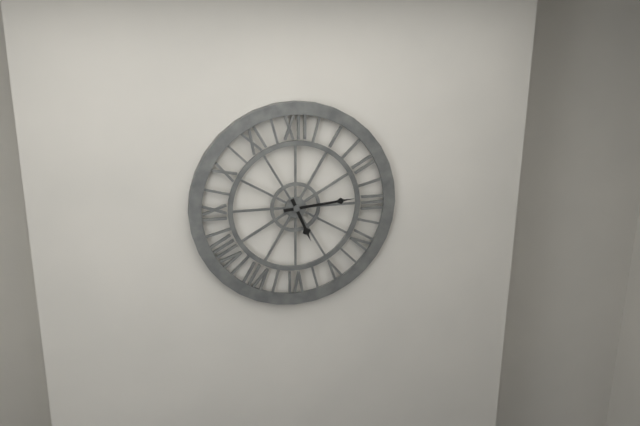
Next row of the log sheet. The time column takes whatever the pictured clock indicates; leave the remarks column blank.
5:14
